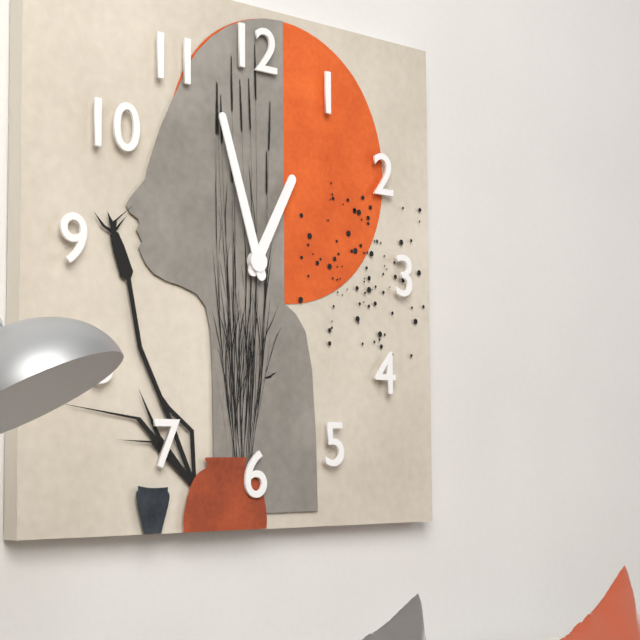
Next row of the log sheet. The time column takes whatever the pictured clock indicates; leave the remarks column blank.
12:57
